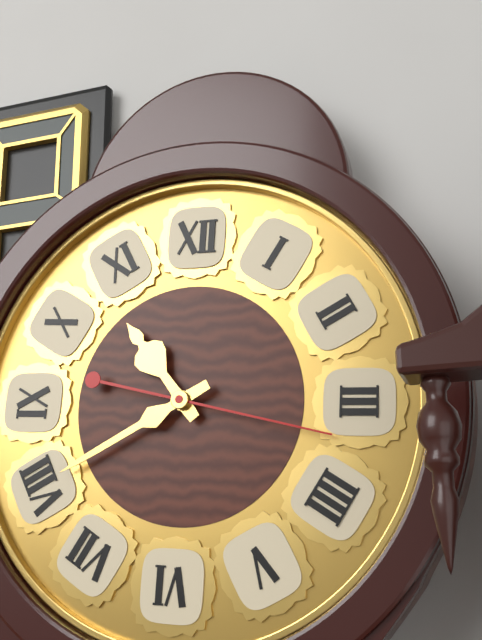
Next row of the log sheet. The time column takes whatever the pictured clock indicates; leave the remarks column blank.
10:40:17
